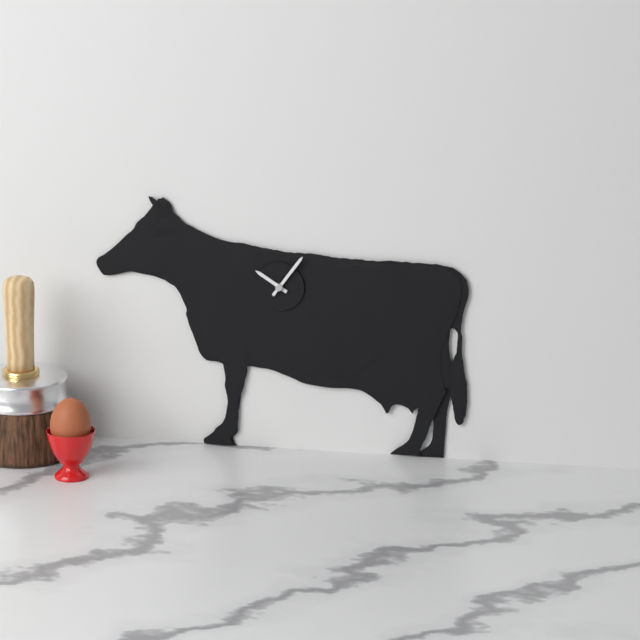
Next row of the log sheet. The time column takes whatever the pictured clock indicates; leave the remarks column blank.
10:06
